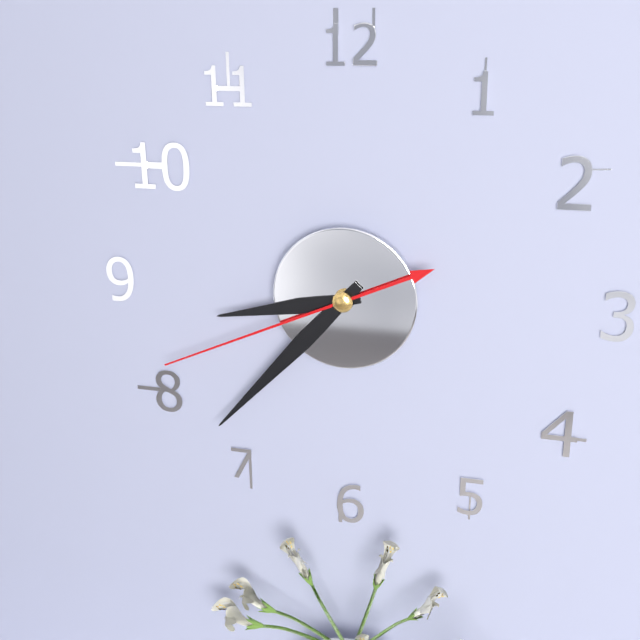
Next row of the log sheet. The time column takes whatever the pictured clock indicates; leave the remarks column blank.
8:37:41
